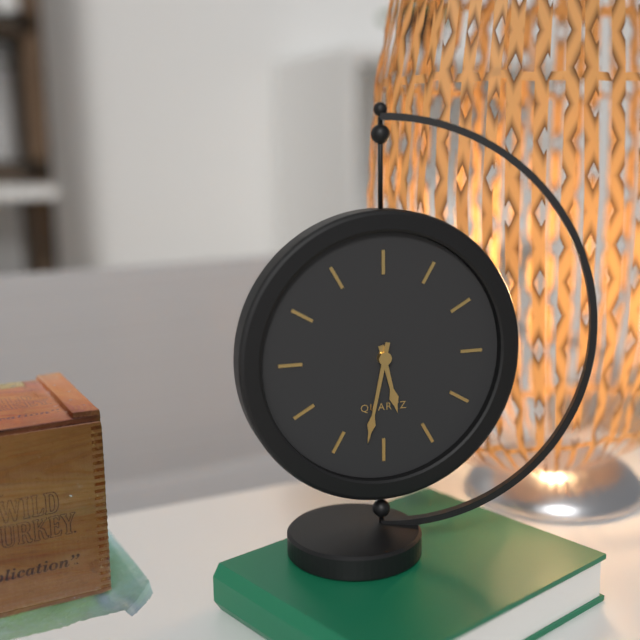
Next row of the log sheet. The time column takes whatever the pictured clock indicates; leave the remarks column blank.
5:32
